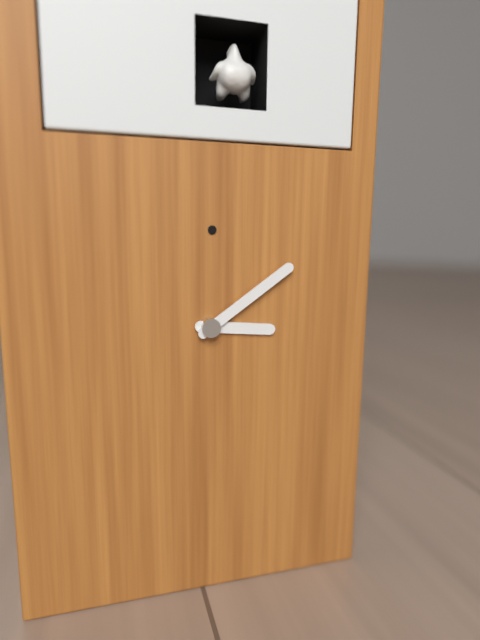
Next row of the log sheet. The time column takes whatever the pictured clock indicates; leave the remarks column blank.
3:09
